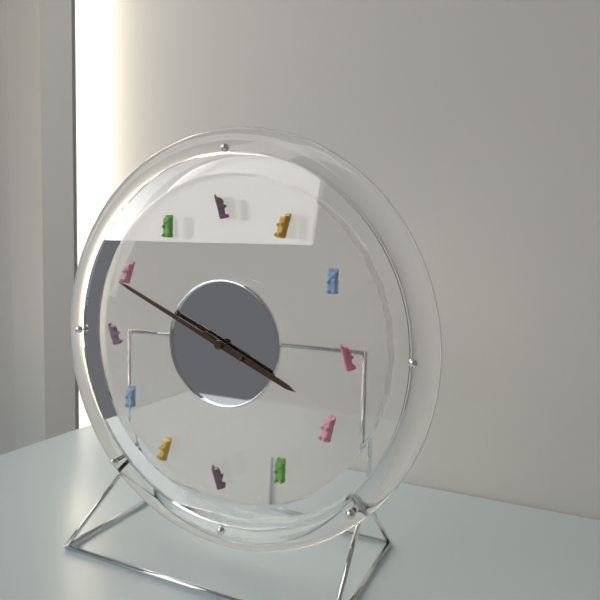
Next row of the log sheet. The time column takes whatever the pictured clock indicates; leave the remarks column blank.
3:49
